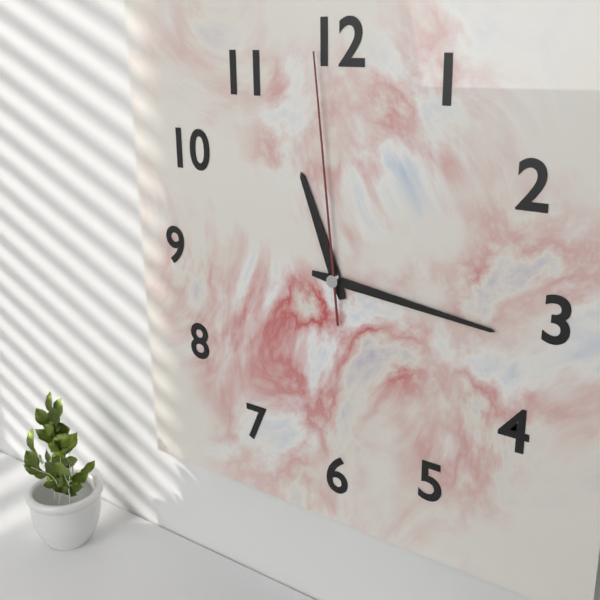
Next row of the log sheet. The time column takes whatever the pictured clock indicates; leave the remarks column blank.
11:16:59
